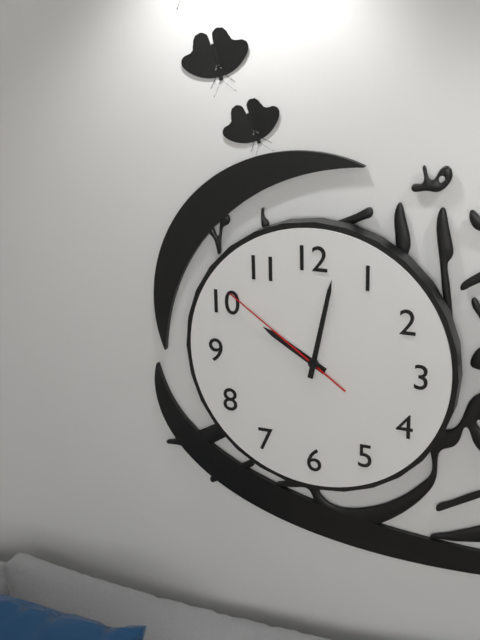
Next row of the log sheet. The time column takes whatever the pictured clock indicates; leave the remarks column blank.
10:02:51
